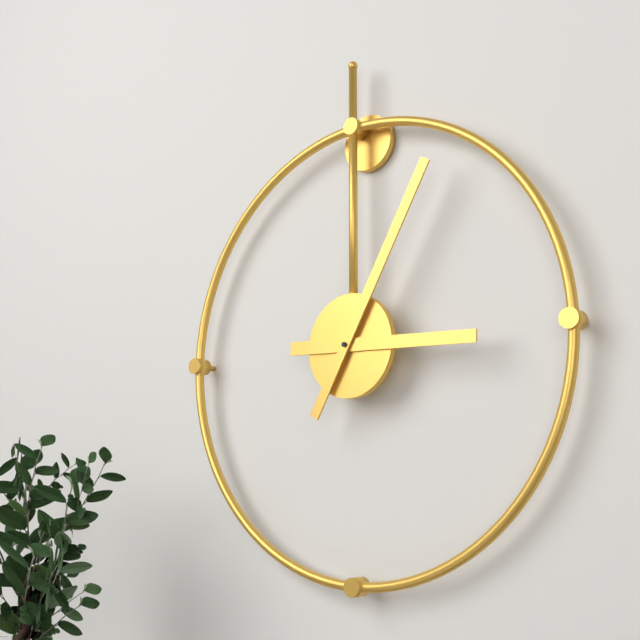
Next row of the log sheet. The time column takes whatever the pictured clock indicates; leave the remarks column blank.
3:05
